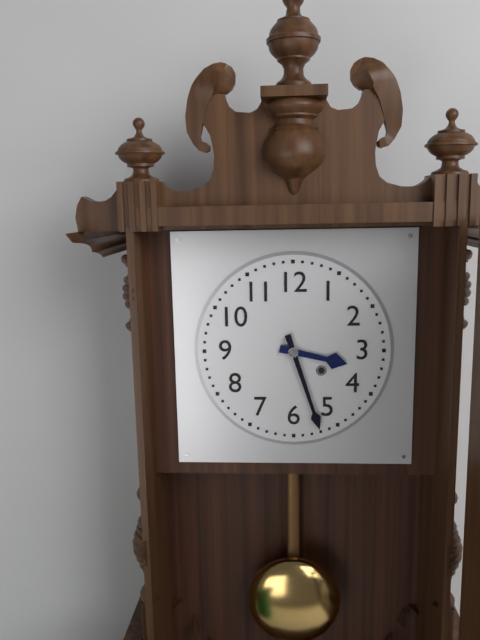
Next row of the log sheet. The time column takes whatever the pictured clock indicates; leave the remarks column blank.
3:27
